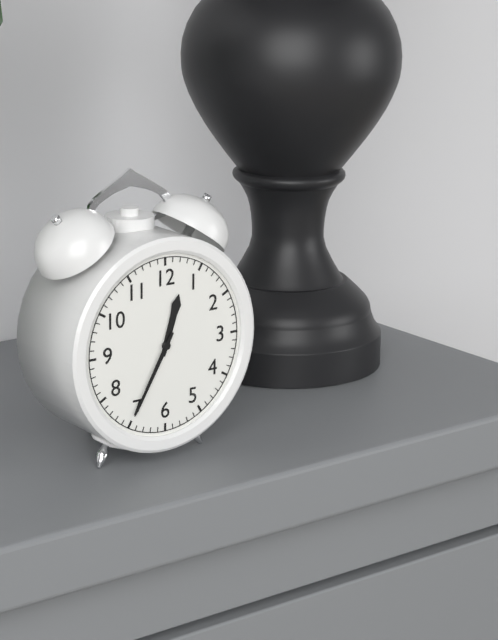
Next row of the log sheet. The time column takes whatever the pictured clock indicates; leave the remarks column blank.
12:35
